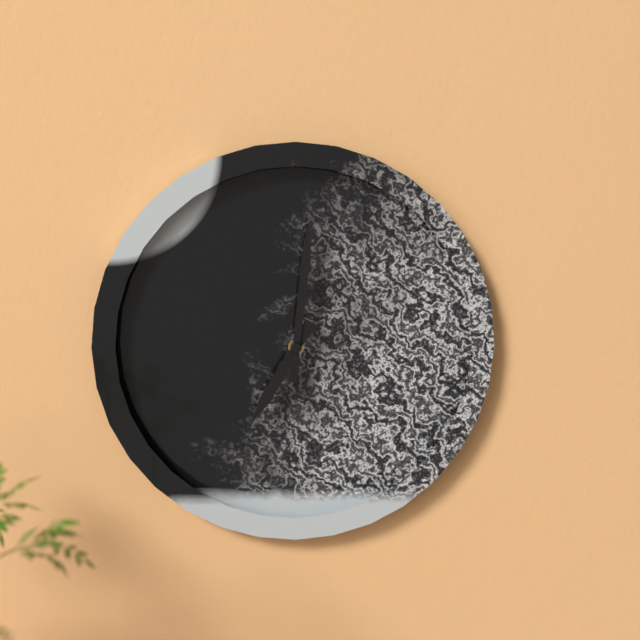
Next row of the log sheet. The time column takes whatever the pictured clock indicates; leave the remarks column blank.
7:01
